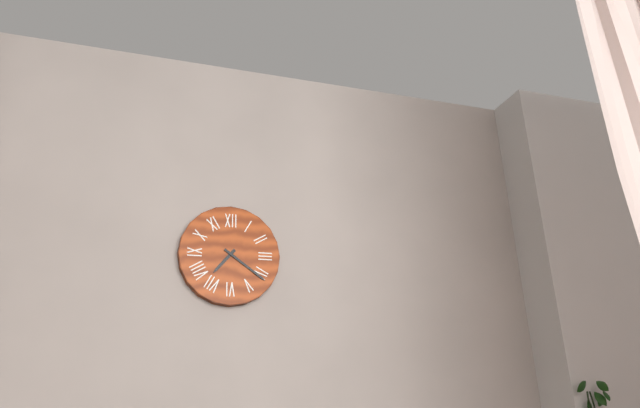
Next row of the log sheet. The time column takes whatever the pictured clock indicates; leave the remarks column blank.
7:21
